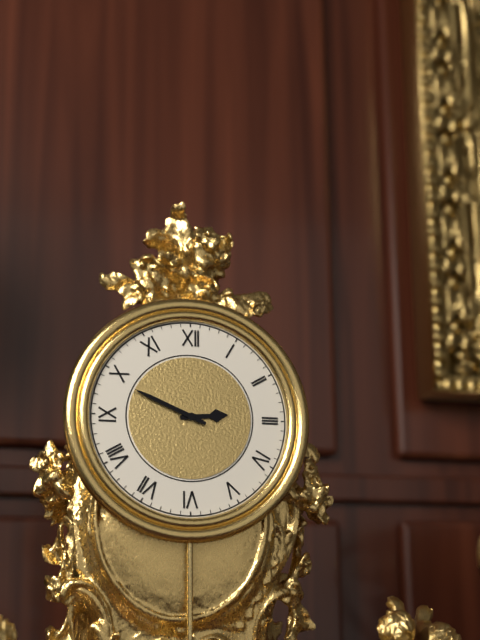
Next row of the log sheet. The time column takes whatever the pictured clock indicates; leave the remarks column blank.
2:49
